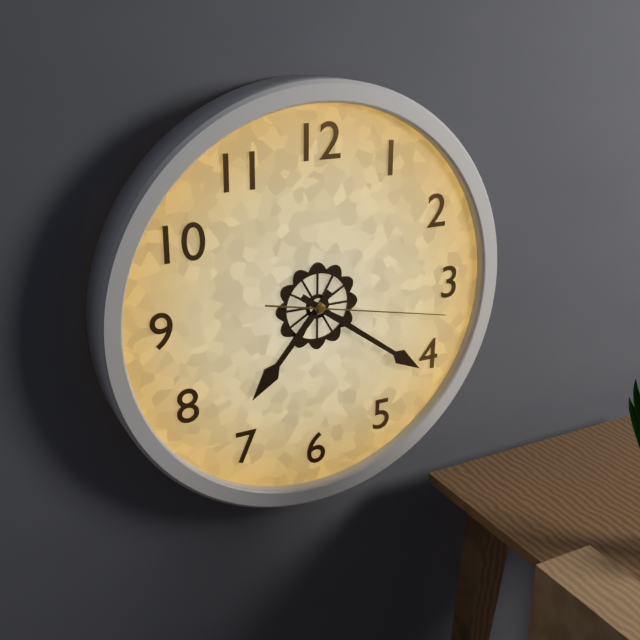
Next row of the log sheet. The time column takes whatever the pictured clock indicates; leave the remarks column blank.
7:21:17
